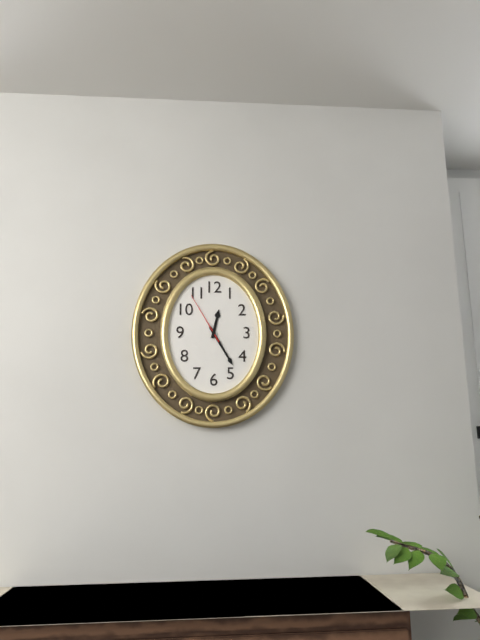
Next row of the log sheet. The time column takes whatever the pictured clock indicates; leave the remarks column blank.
12:25:55
